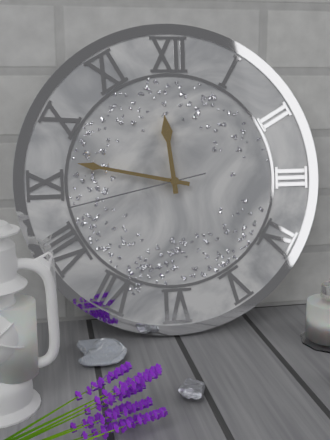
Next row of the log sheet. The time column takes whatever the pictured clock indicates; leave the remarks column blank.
11:47:43
